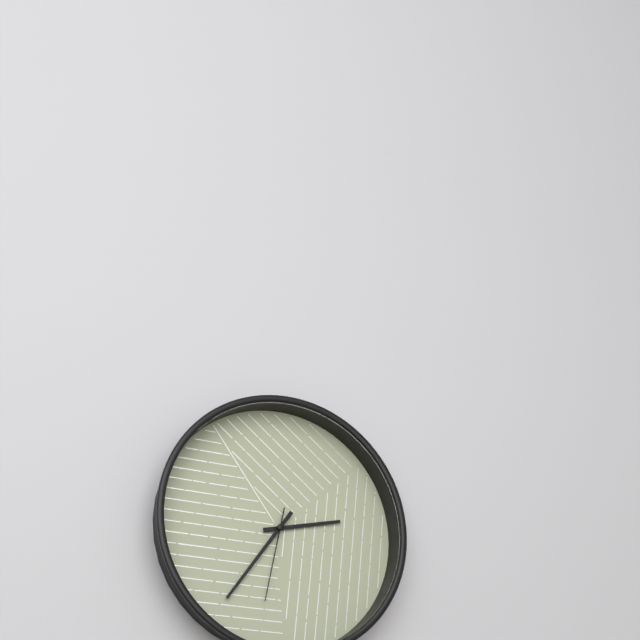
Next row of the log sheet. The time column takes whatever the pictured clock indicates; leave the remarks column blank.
2:36:32
